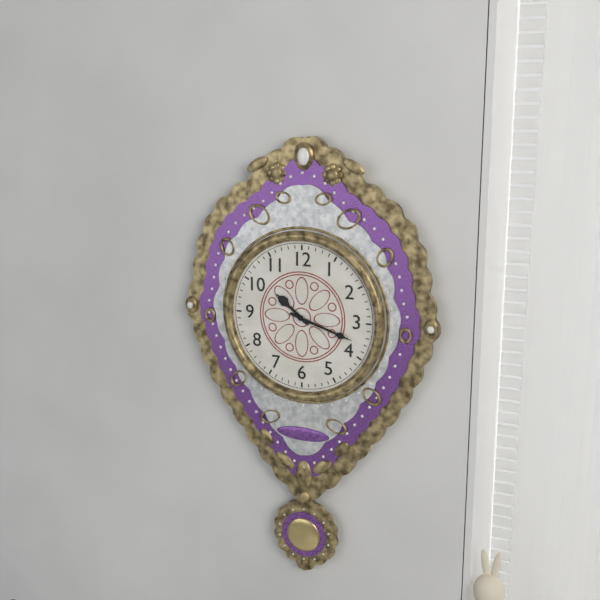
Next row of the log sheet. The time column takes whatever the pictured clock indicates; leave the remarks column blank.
10:18
